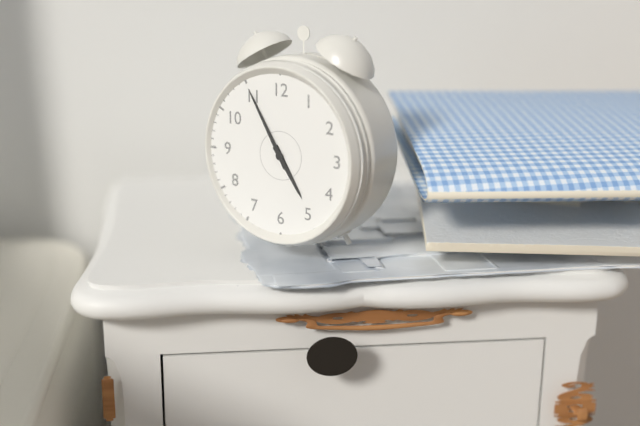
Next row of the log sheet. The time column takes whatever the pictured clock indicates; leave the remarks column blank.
4:55
